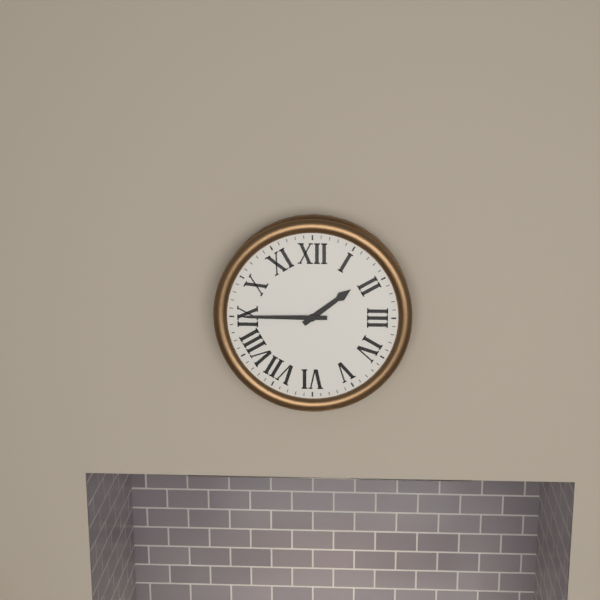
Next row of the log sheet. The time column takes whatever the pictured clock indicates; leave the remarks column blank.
1:45
